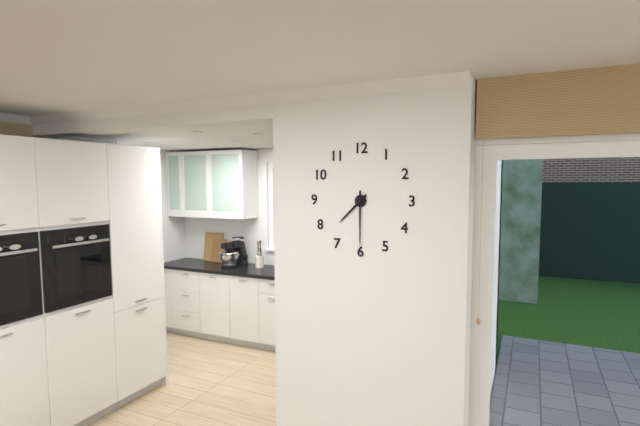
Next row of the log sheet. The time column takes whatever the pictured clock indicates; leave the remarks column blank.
7:30
